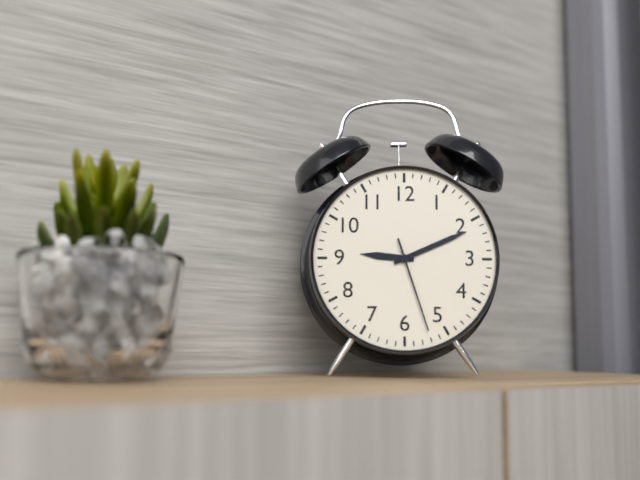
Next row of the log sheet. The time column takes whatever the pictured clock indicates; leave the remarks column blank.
9:11:27
